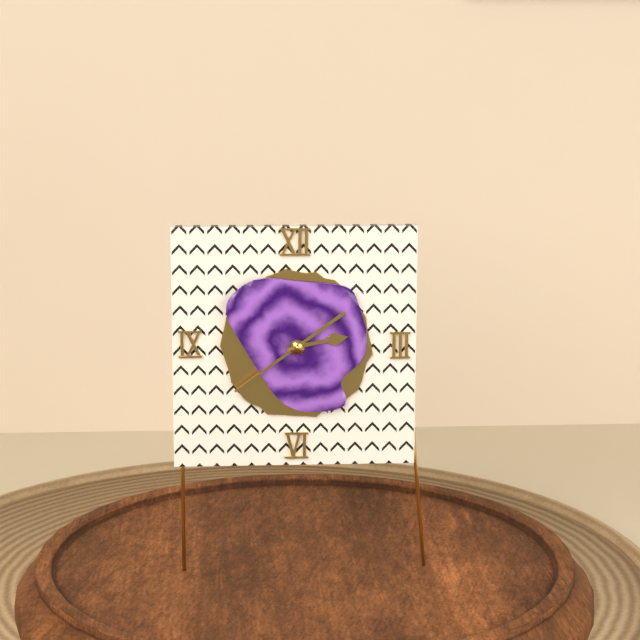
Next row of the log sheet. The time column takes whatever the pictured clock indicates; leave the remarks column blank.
2:39
